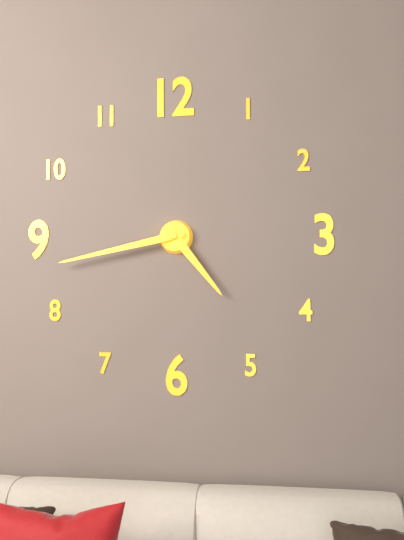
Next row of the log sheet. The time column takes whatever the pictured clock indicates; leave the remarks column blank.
4:43
